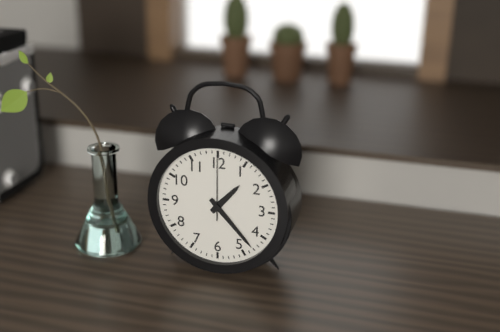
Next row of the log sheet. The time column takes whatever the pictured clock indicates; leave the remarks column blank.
1:23:00
